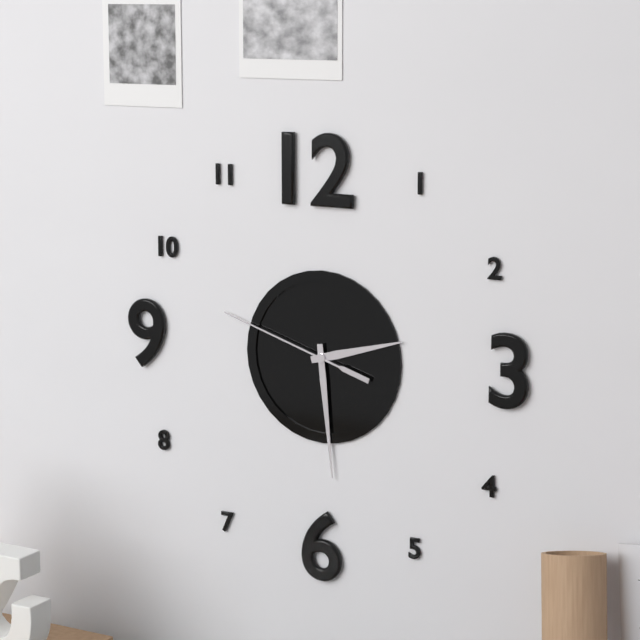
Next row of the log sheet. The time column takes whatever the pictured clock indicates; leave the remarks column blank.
2:29:48
